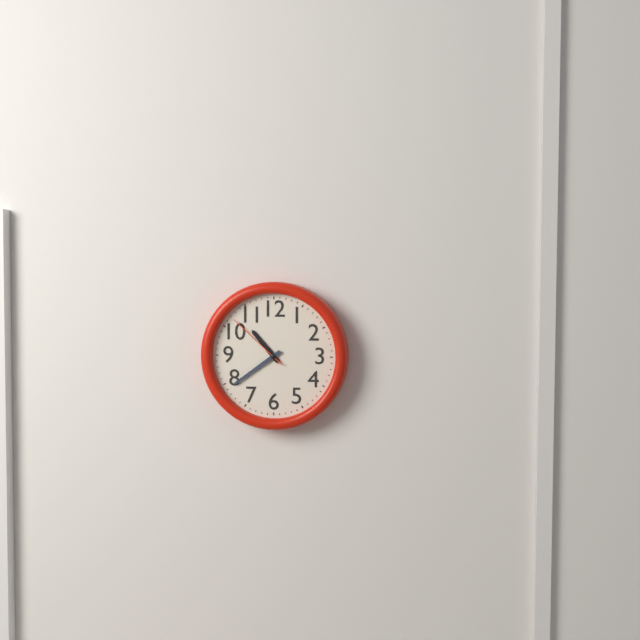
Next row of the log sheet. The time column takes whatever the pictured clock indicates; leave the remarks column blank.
10:39:52
